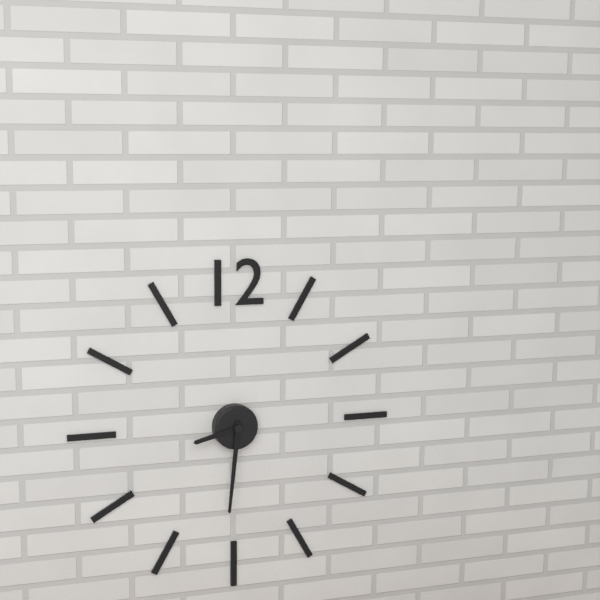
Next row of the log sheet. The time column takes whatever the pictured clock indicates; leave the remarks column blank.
8:31
